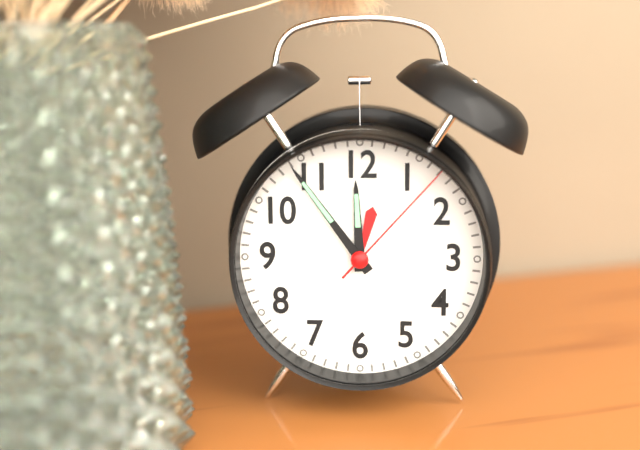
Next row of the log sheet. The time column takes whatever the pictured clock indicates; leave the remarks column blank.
11:54:07
